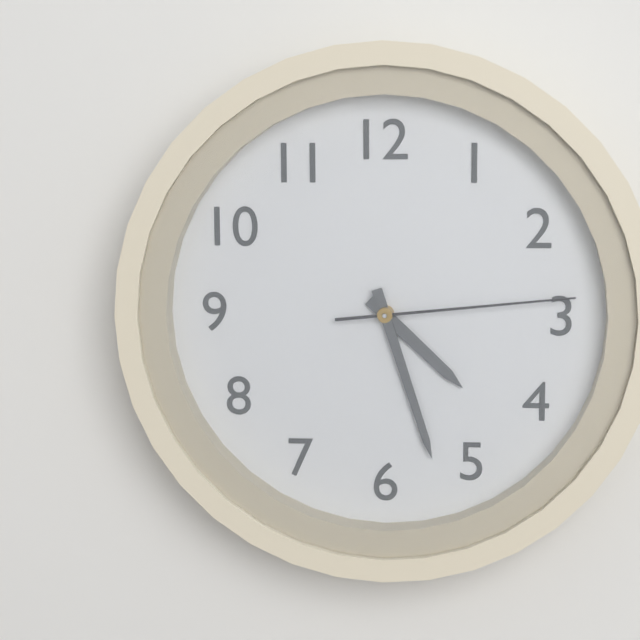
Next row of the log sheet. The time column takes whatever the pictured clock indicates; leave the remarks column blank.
4:27:14
